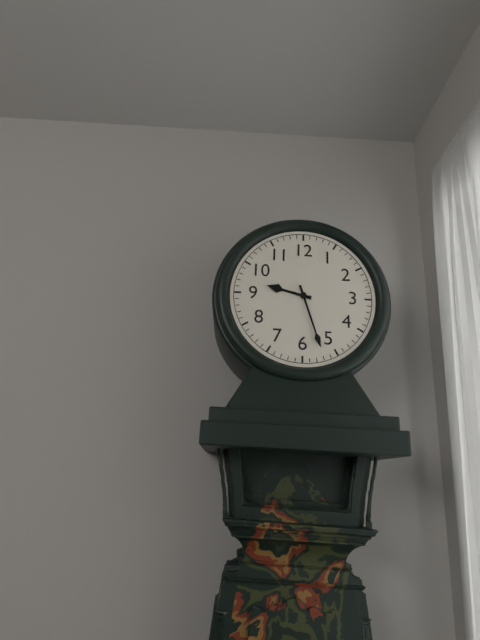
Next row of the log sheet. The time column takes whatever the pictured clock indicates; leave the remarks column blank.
9:27
